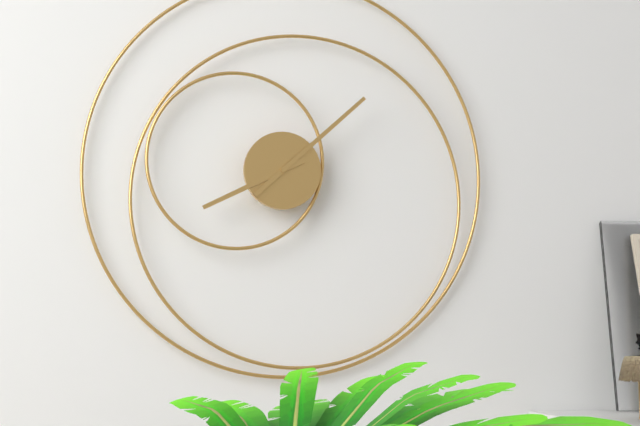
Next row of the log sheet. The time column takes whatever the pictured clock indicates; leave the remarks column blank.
8:08
